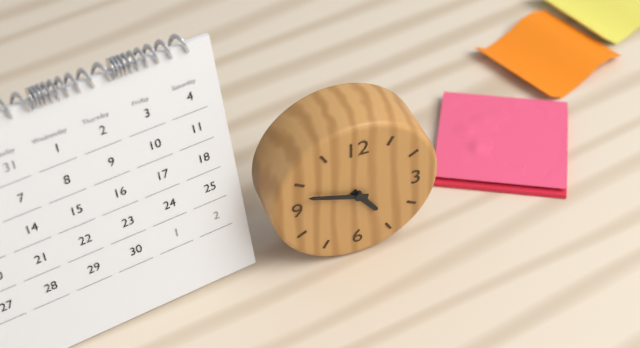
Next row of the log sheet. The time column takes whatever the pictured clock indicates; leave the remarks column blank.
4:48
